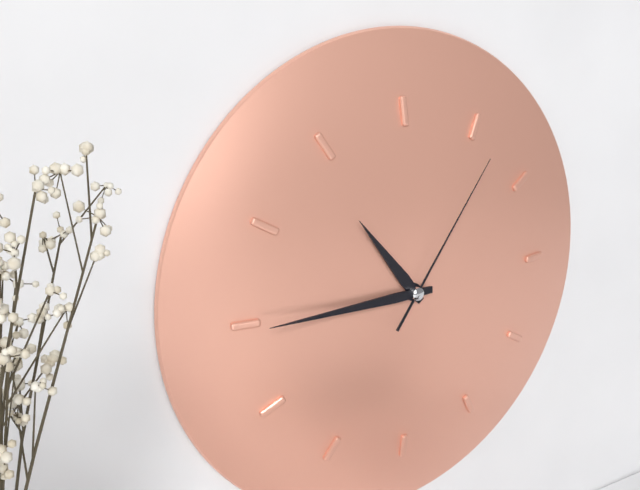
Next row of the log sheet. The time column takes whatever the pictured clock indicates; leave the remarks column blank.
10:45:06
